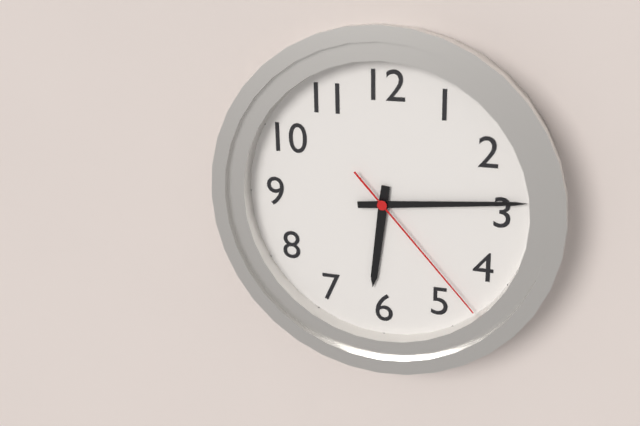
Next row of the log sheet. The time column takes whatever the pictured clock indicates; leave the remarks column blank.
6:14:23
